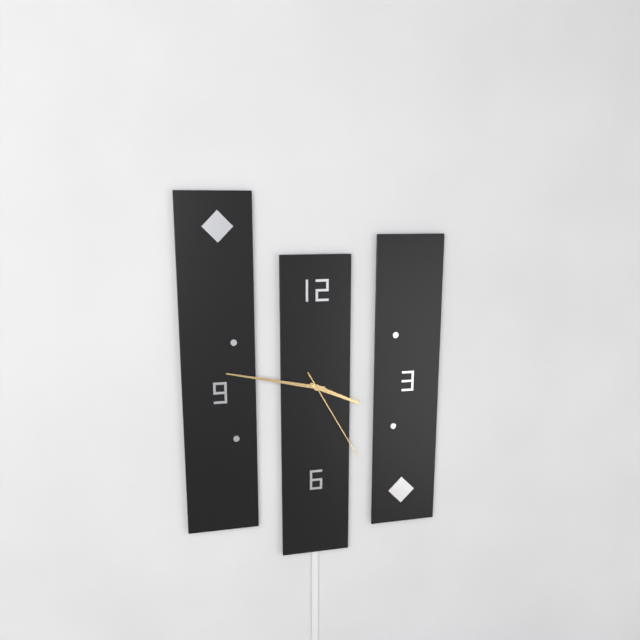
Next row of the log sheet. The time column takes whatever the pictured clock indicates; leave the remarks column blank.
3:47:25
